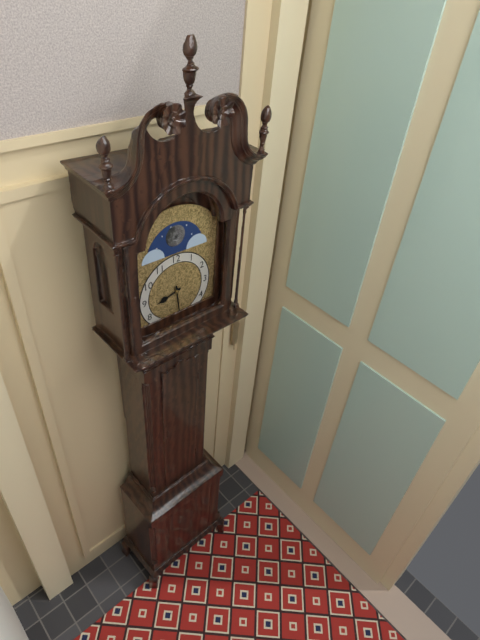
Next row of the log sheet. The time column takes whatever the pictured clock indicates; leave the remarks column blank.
8:29
